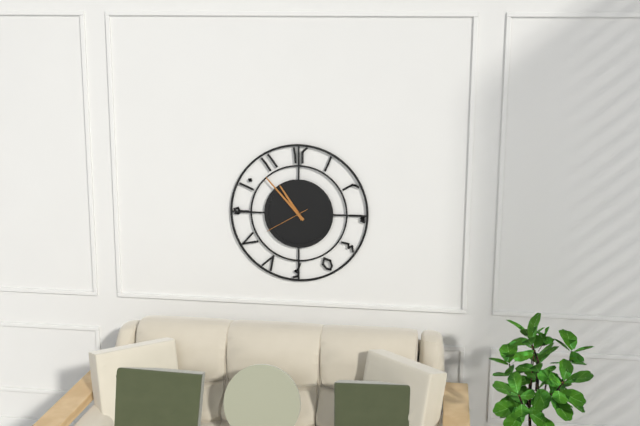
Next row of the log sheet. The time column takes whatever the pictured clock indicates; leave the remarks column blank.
10:53
